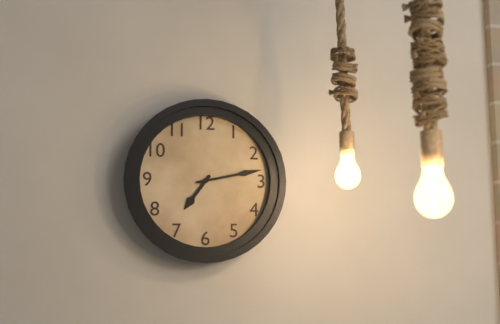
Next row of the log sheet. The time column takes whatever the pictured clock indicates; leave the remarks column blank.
7:13
